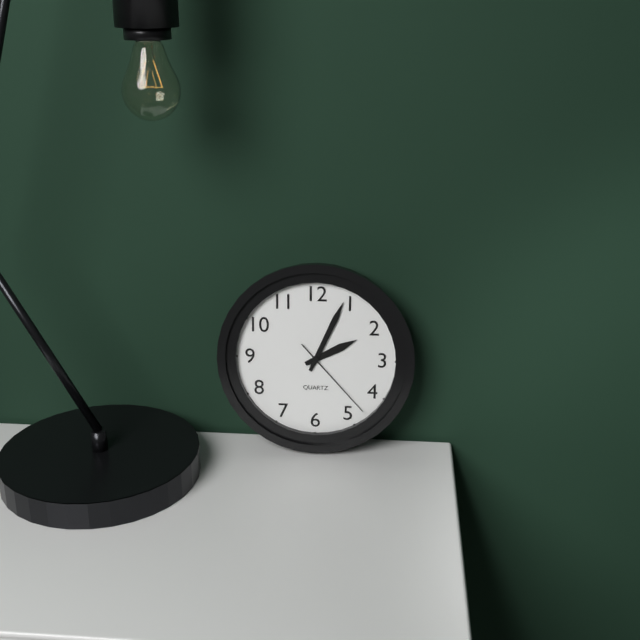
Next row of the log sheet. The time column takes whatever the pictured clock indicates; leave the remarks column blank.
2:04:23
